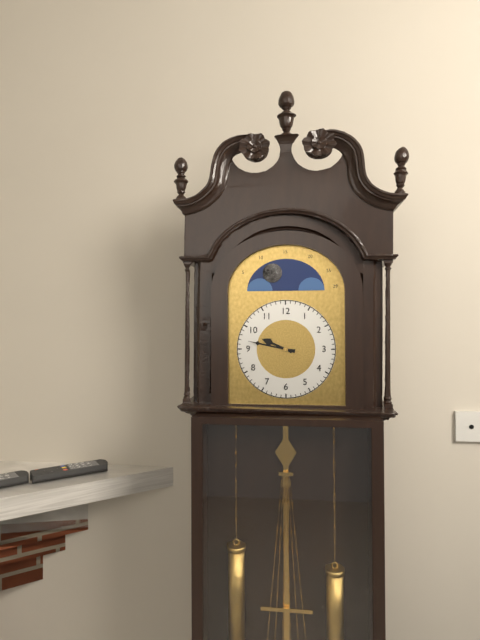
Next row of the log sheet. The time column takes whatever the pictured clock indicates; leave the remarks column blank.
9:47
